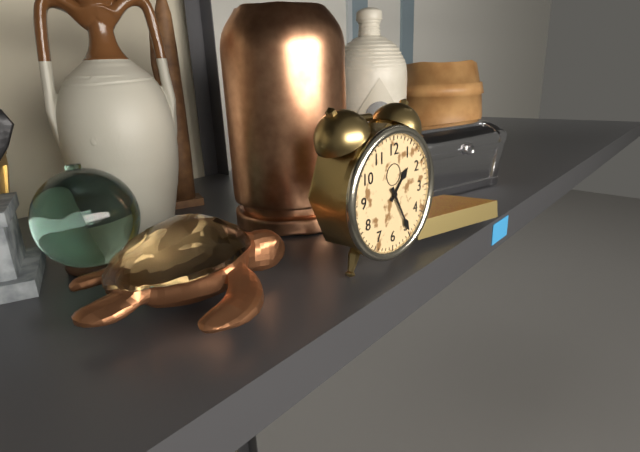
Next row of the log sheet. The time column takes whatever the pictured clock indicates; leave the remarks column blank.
1:25
